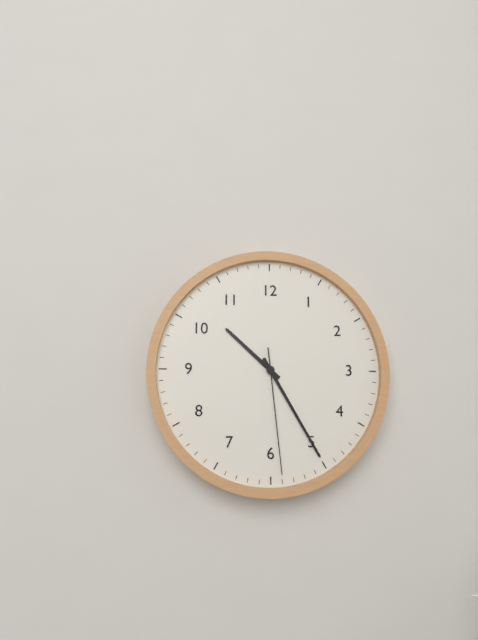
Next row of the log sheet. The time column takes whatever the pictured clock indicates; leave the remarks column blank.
10:25:29
